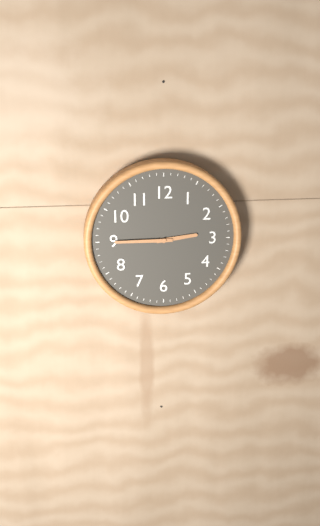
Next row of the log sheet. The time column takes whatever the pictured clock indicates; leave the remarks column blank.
2:45
